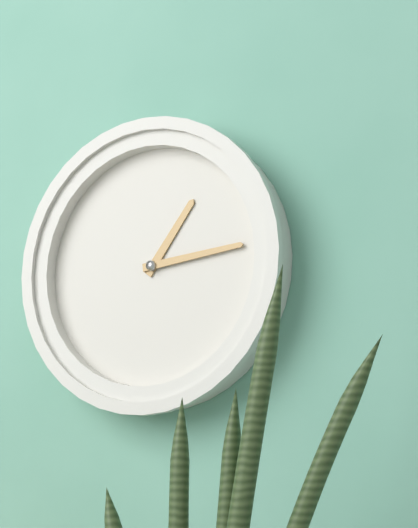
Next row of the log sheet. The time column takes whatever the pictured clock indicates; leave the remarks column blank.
1:14
